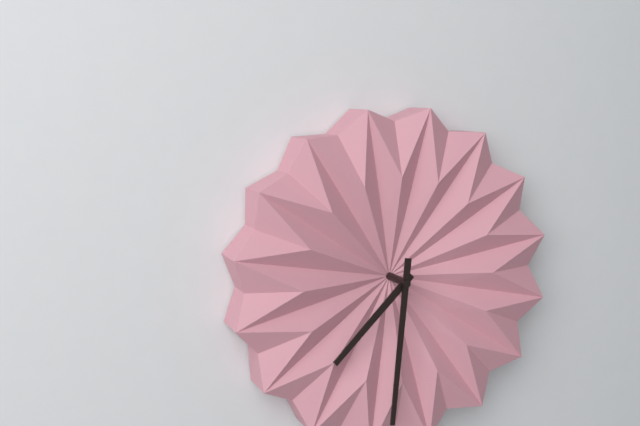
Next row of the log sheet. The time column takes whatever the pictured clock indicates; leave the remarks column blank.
7:31
